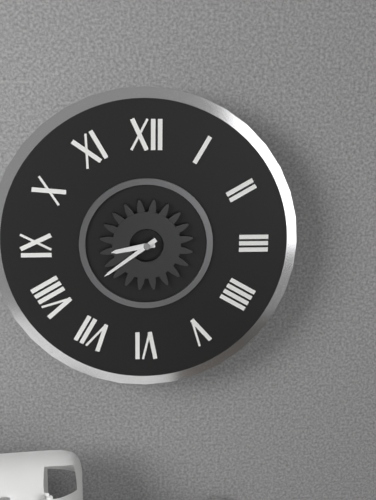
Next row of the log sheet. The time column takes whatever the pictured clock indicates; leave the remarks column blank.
8:39
